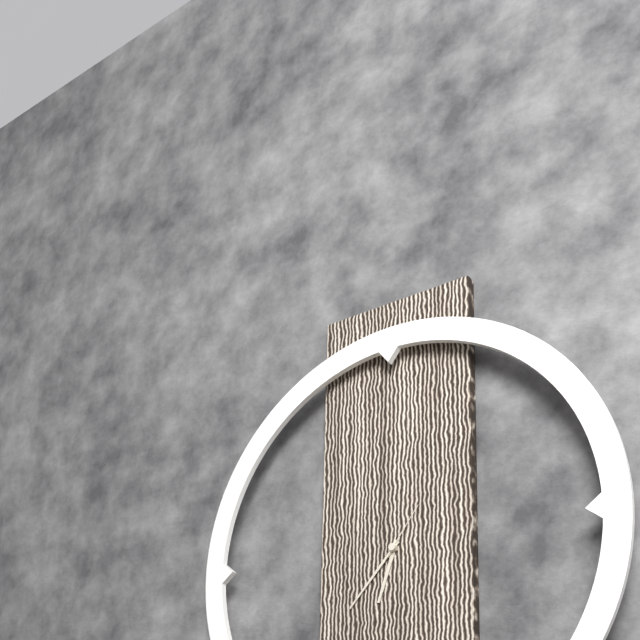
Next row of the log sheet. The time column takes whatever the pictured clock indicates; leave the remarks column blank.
6:37:06
